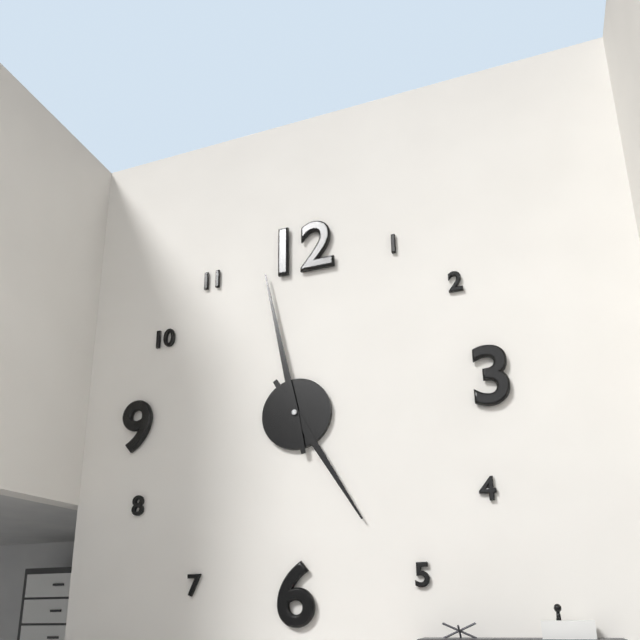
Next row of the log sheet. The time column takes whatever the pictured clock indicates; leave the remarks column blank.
4:58
